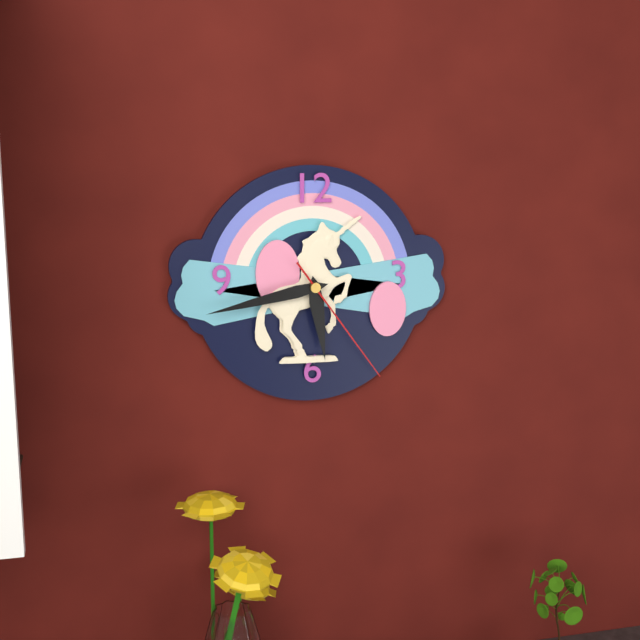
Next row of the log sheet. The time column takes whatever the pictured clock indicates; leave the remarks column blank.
5:43:24
